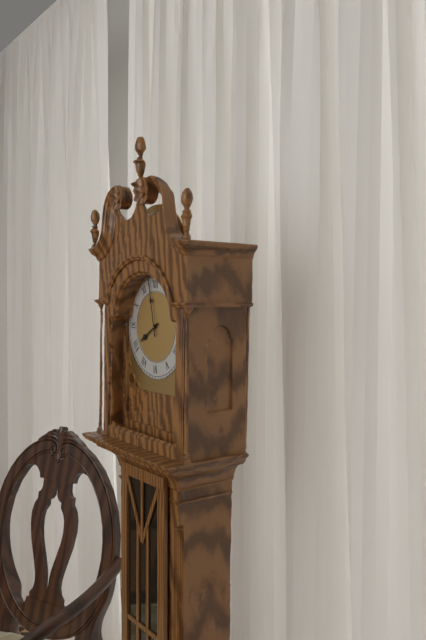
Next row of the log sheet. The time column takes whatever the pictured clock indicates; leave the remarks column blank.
7:58
